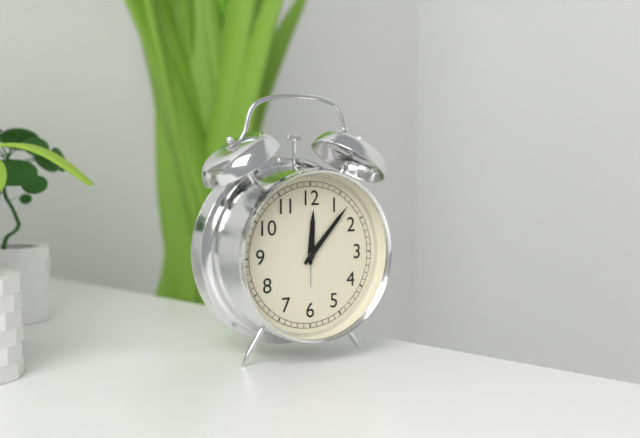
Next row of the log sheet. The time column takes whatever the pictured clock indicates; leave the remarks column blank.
12:07
